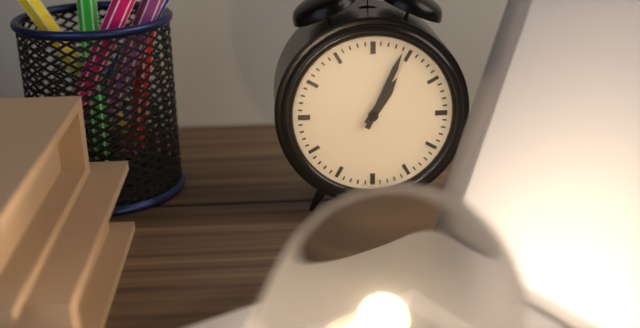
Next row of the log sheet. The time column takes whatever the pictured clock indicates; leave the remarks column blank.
1:04
